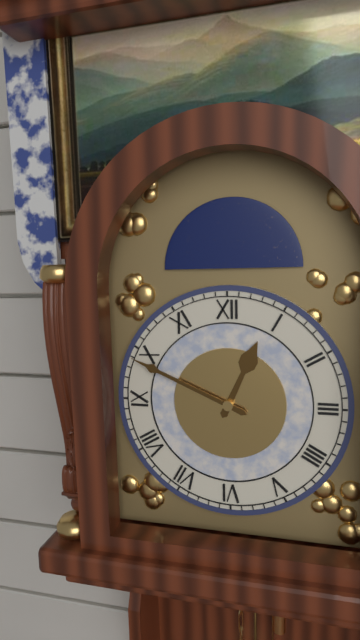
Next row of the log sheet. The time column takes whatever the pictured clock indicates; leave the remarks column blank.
12:49
